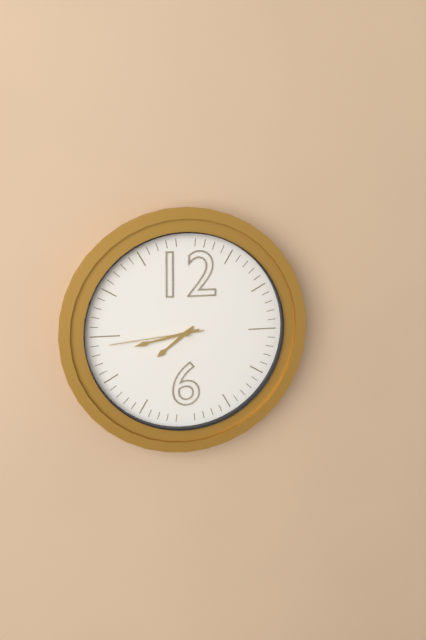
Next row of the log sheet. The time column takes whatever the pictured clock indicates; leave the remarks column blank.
7:43:44
